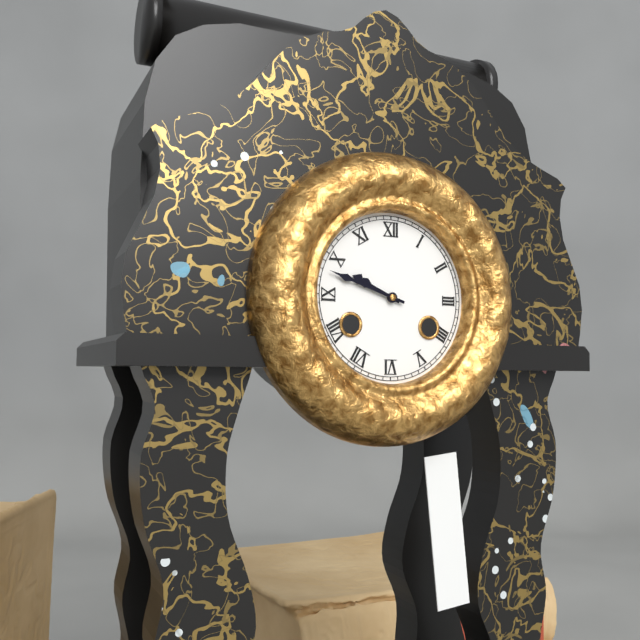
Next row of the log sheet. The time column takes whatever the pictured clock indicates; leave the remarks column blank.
9:48
